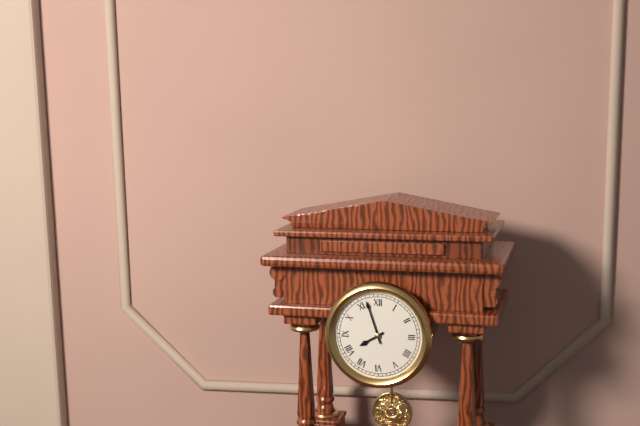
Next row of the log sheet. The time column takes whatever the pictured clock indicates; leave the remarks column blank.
7:57
